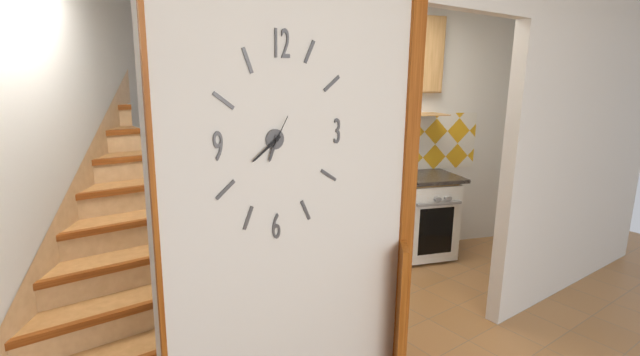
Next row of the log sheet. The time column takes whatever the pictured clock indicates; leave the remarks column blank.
6:39
